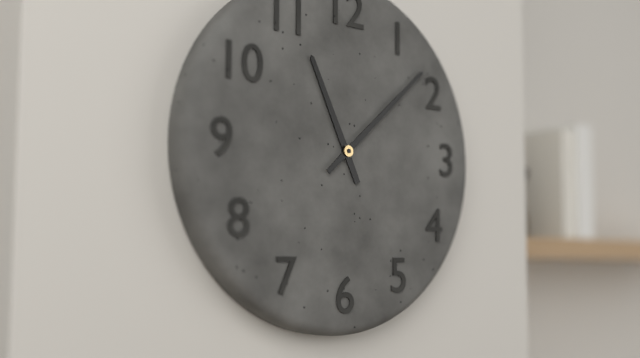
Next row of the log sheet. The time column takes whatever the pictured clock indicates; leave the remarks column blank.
11:08
